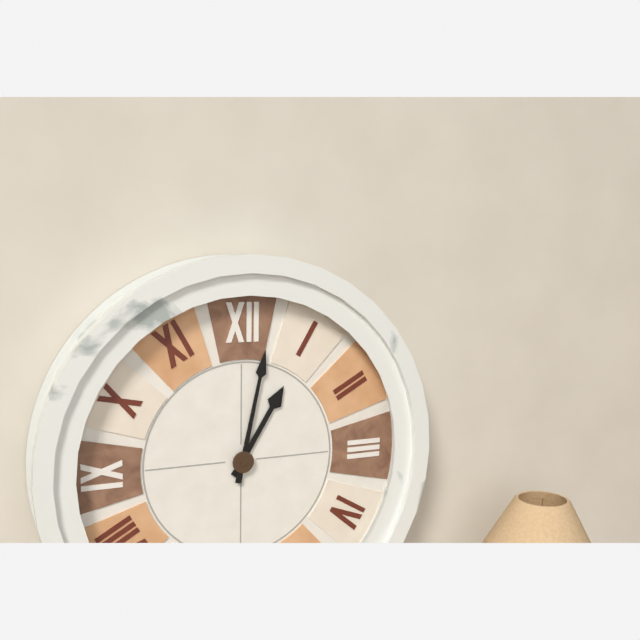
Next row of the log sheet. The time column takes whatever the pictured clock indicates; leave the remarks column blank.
1:02
